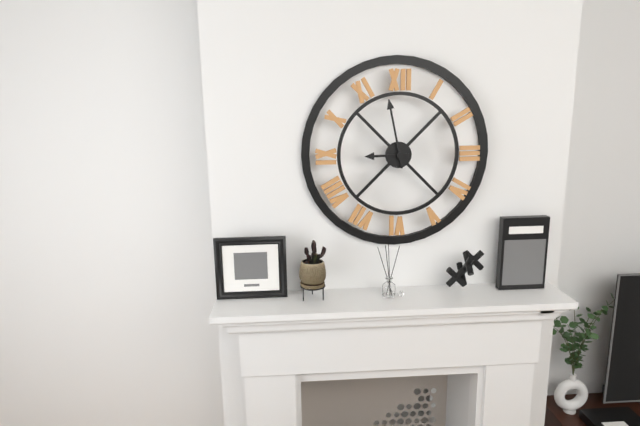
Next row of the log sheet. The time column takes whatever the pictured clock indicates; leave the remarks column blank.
8:58
